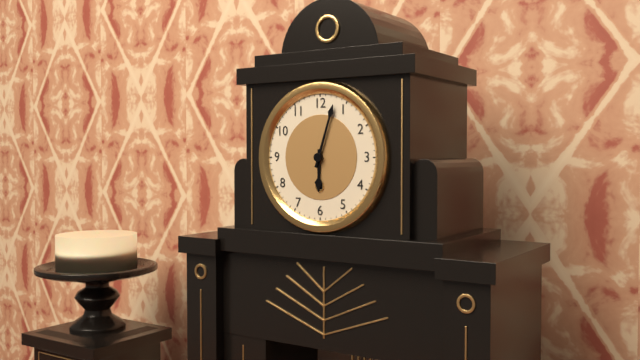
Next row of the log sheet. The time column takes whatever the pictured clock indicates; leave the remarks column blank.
6:03
